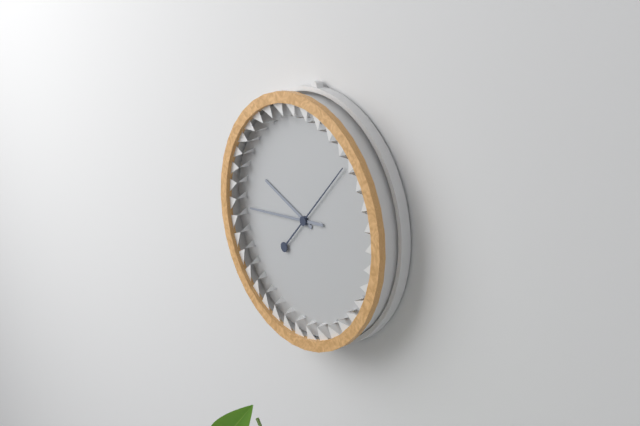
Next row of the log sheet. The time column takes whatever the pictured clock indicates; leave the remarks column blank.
9:44:07
